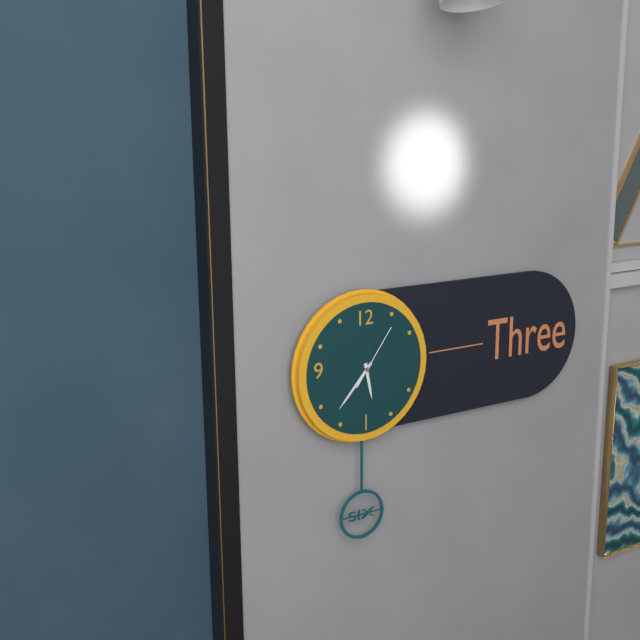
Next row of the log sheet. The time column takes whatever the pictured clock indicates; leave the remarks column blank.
5:37:06
